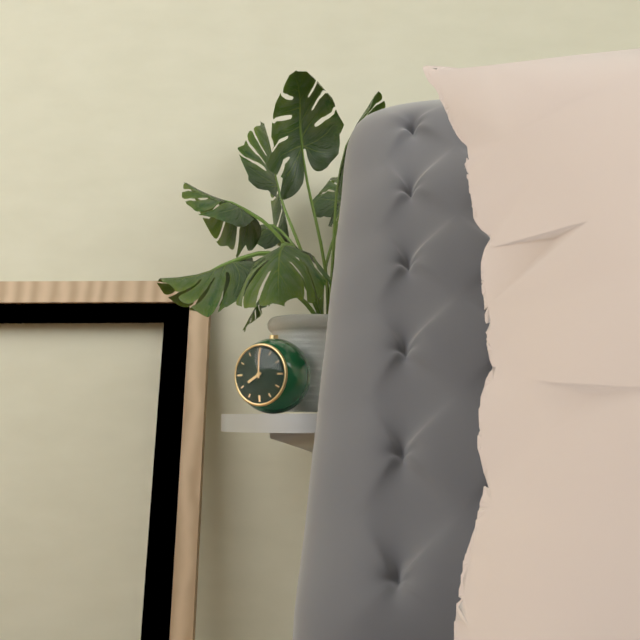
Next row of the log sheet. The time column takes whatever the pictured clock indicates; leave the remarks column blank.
8:00
